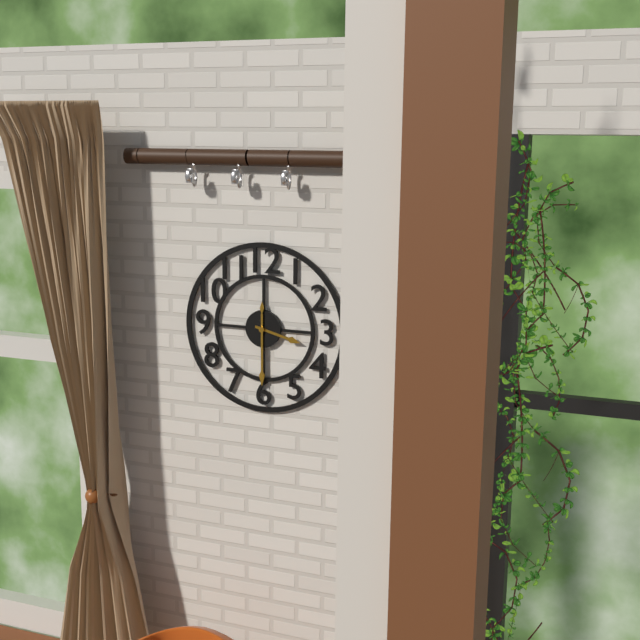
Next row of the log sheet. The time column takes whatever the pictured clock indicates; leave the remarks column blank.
3:30
